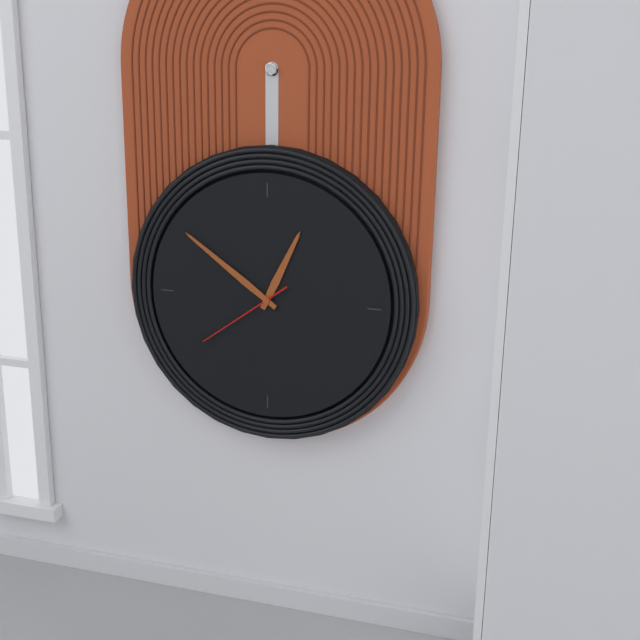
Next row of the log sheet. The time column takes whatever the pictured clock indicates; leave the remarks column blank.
12:51:39
